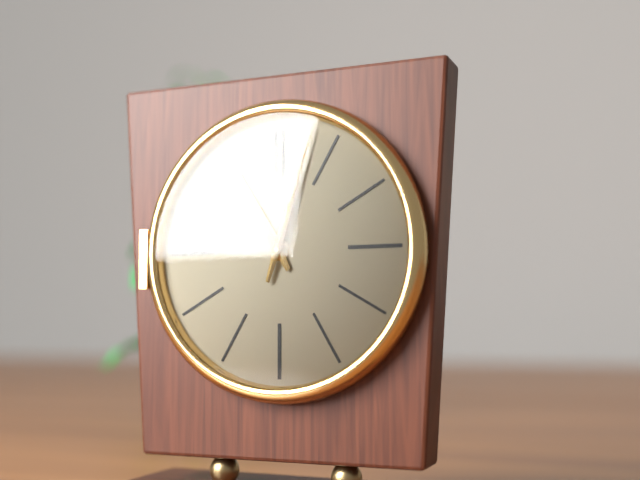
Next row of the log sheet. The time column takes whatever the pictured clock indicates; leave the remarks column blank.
11:03
